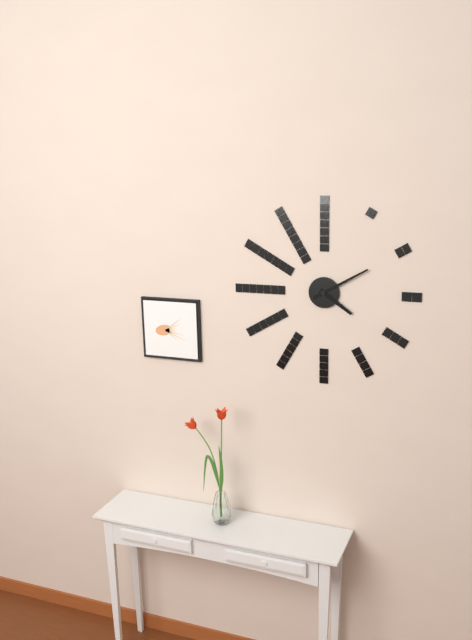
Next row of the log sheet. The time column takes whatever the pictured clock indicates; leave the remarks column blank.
4:10
